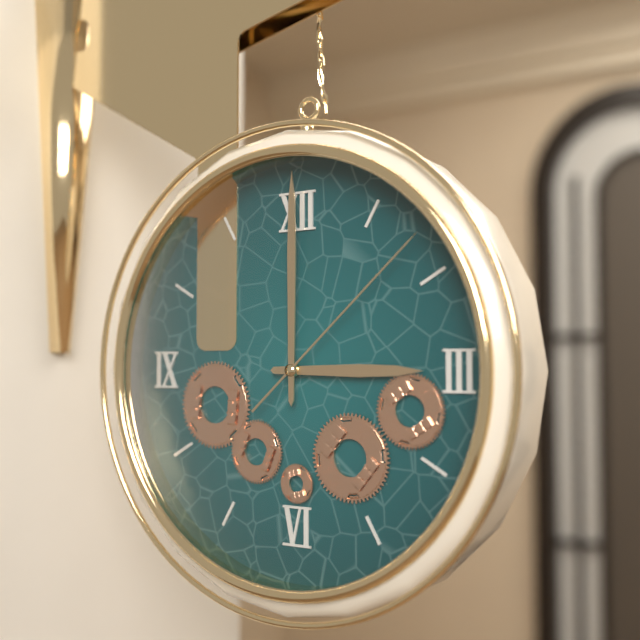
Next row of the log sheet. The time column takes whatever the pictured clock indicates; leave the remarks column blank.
3:00:08
